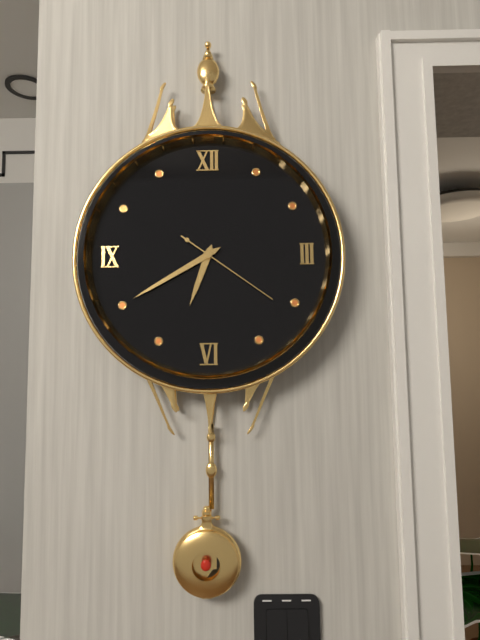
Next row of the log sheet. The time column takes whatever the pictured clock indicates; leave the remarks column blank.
6:40:21
